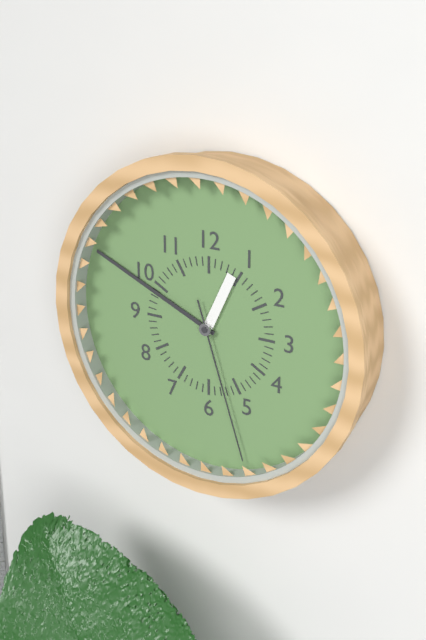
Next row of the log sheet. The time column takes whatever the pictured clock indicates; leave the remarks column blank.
12:49:27
